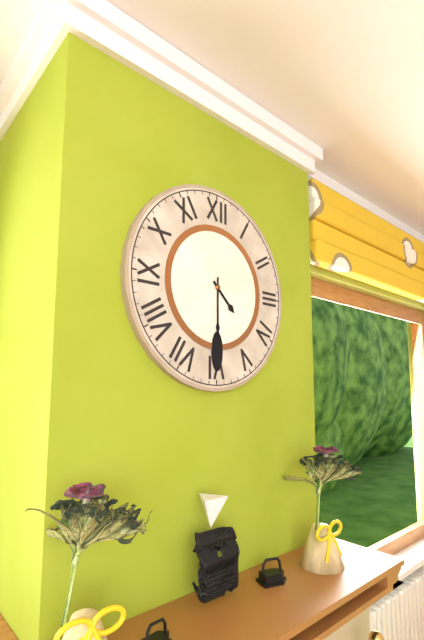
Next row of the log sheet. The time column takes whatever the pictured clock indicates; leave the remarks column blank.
4:30
